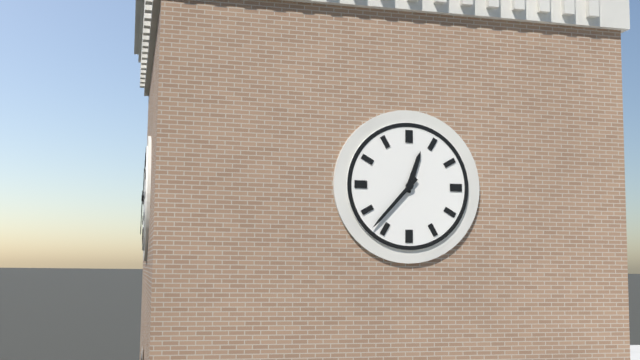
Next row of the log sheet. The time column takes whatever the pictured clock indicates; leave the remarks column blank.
12:37
